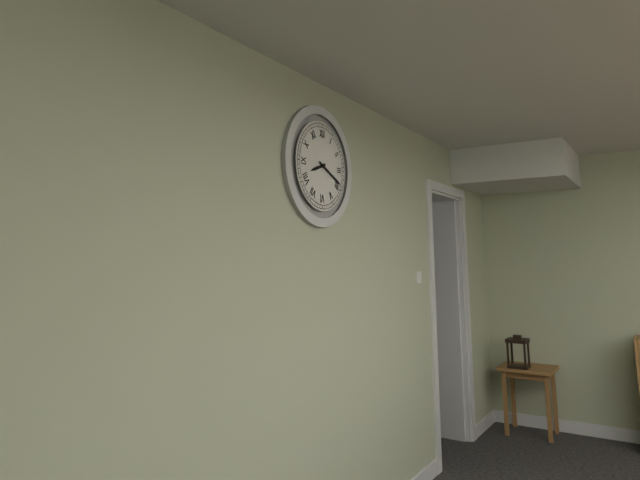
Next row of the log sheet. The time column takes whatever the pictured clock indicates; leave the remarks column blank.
8:19
